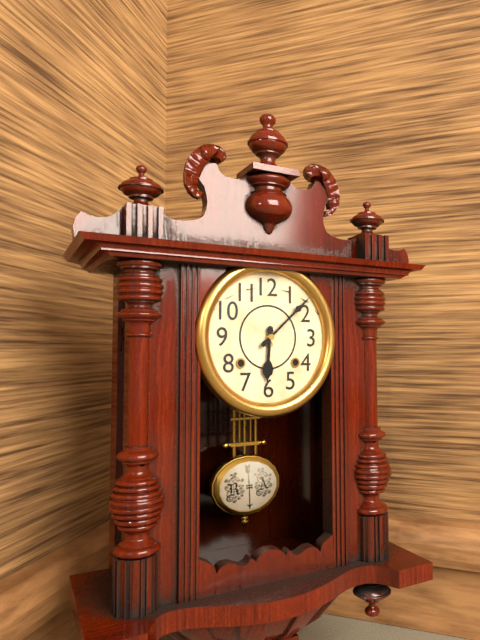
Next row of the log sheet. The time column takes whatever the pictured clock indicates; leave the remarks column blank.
6:08
